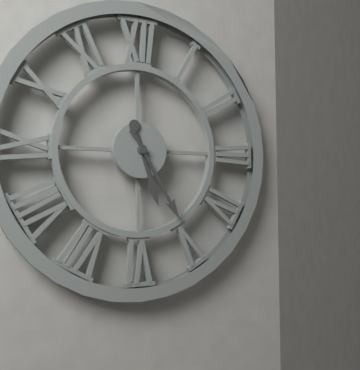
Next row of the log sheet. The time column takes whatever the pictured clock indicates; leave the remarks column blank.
5:25
